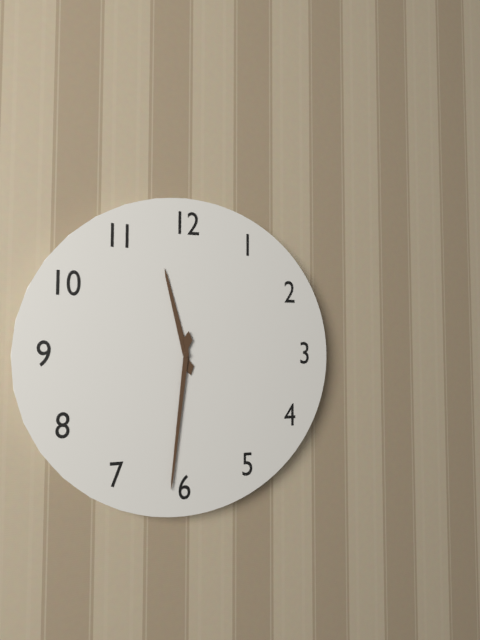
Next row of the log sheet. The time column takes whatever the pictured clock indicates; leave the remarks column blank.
11:31
